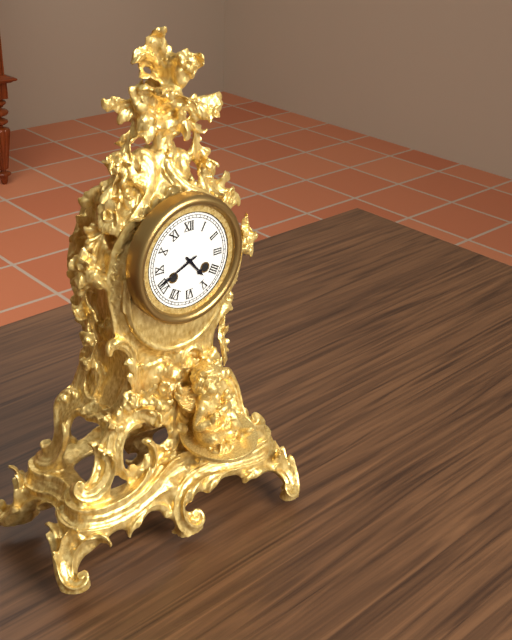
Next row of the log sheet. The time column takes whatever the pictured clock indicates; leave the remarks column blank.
4:41
